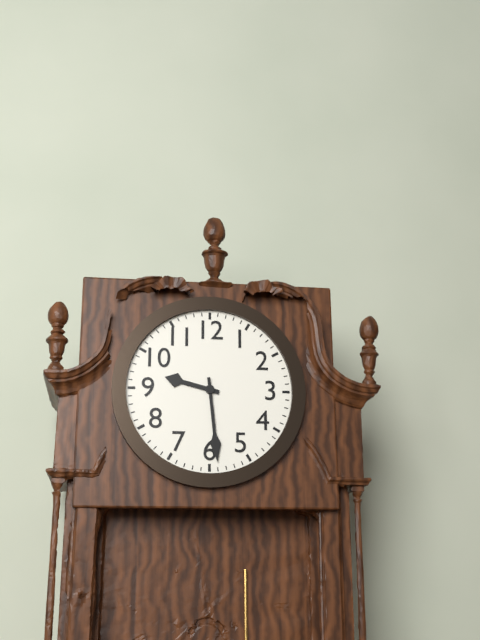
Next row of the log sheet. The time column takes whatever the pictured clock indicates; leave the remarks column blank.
9:29
